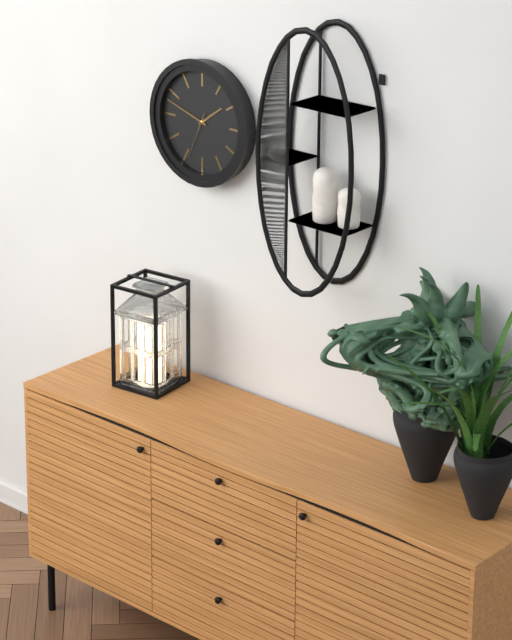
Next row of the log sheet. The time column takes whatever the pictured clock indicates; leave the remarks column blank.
1:48
